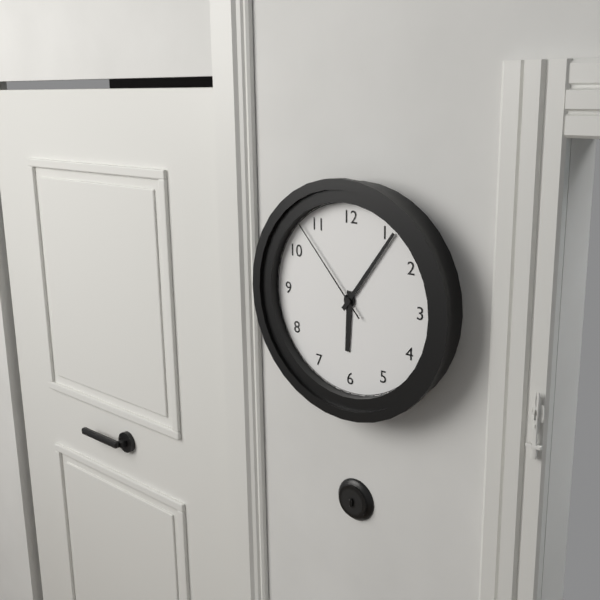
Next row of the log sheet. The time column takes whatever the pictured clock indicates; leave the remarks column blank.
6:06:53
